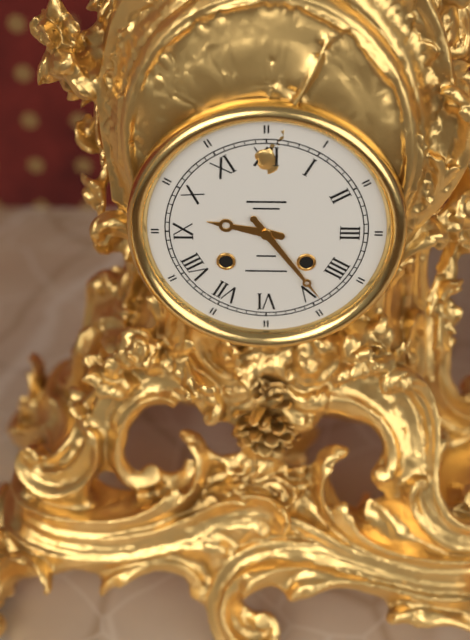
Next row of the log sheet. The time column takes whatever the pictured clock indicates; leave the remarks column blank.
9:24
